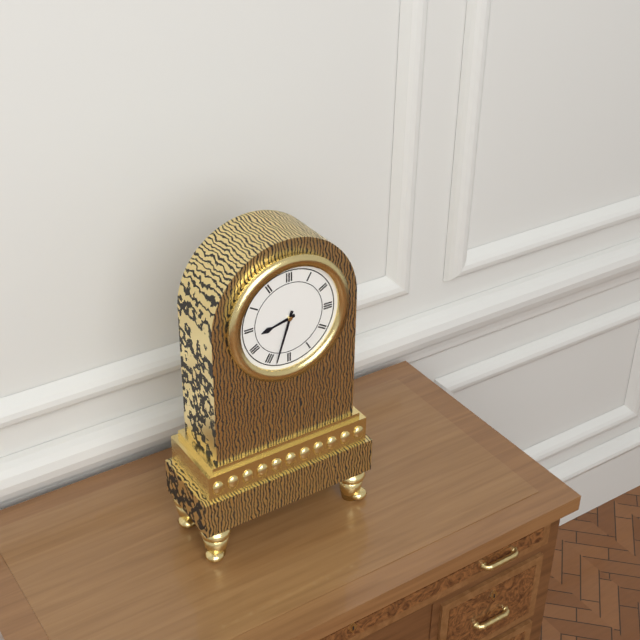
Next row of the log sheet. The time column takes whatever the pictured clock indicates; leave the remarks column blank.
8:33
